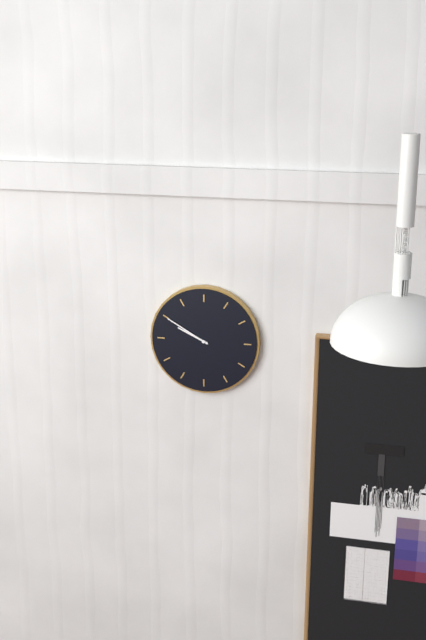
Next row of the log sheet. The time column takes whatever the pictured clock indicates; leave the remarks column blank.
9:50
